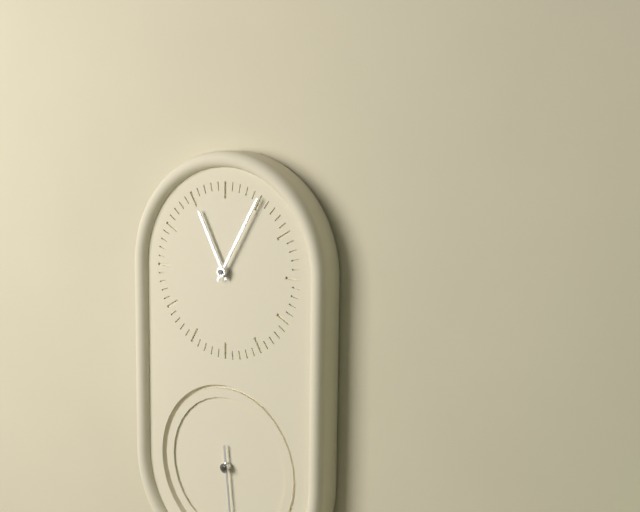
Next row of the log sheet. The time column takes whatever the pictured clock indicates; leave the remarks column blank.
11:05
